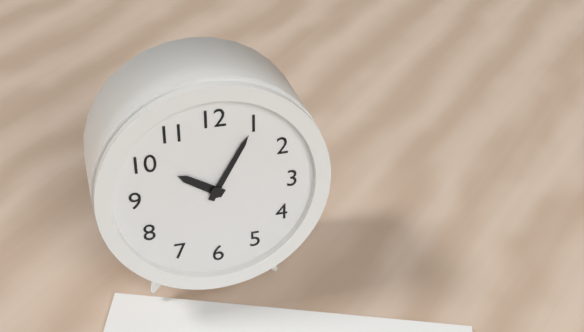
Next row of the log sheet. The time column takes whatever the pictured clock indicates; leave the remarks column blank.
10:05
